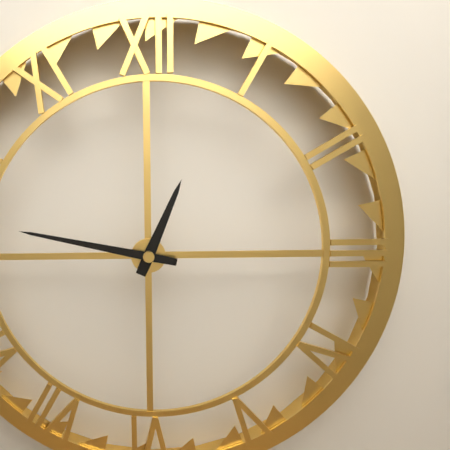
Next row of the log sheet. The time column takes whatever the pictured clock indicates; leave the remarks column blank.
12:47
